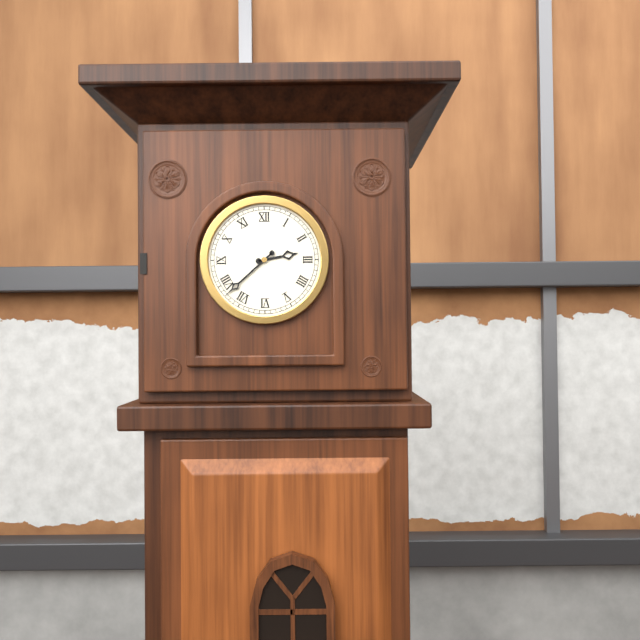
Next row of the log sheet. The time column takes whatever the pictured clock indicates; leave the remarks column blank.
2:38
